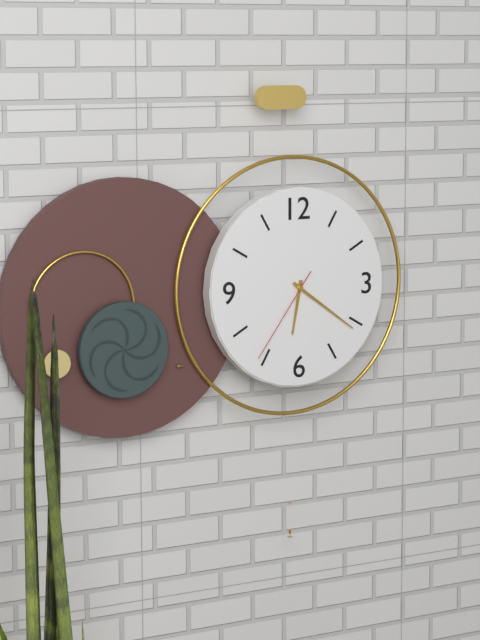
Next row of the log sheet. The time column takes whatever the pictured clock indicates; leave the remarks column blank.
6:21:36
